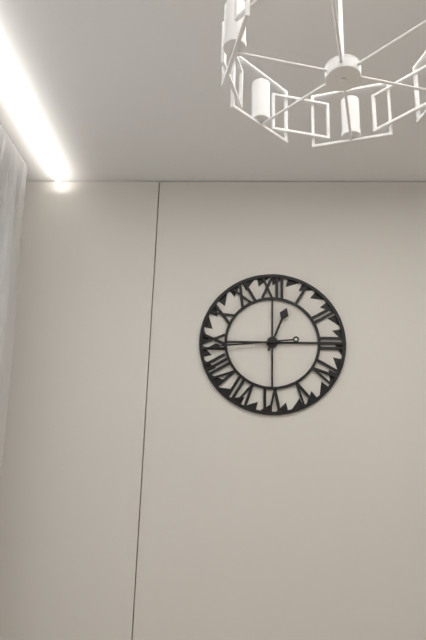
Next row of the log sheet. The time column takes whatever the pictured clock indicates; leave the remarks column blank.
12:44
